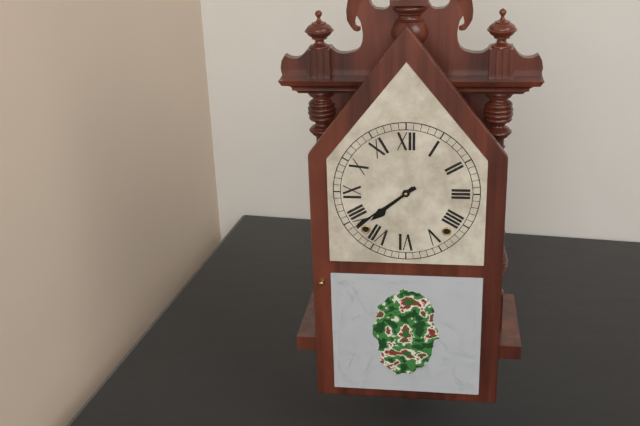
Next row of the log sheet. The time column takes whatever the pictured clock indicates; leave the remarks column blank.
7:39
